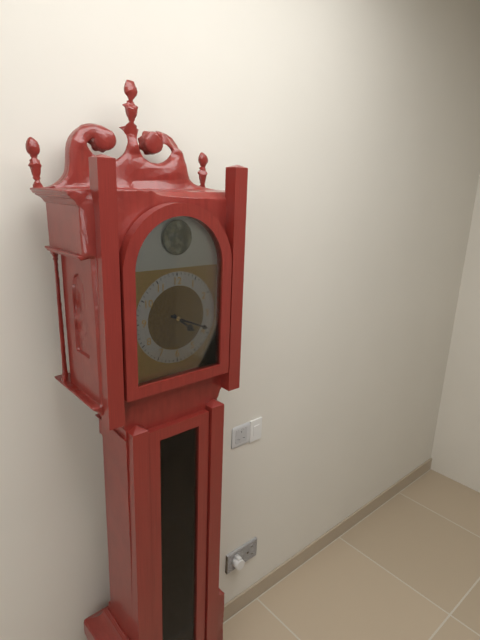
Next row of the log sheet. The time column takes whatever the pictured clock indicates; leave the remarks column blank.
4:19
